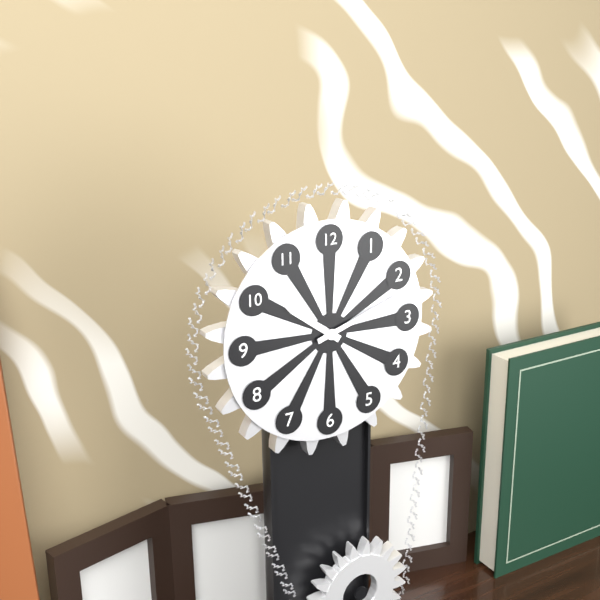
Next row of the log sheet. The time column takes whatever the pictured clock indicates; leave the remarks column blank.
10:12
